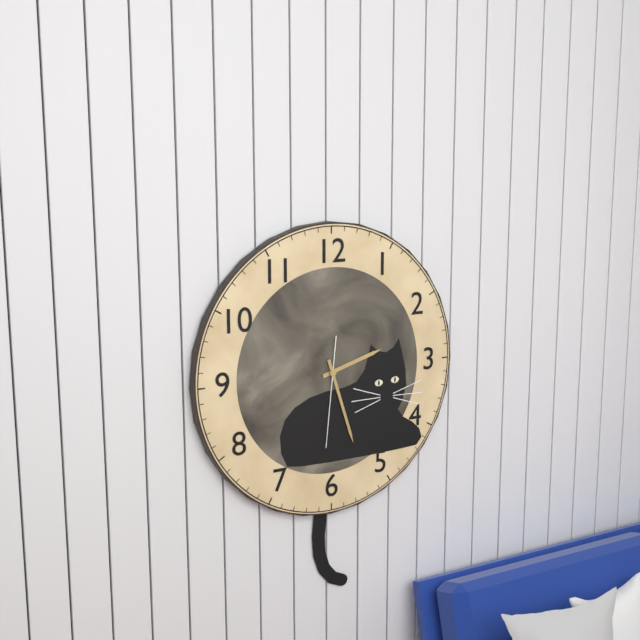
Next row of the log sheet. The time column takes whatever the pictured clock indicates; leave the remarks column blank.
2:27:31
